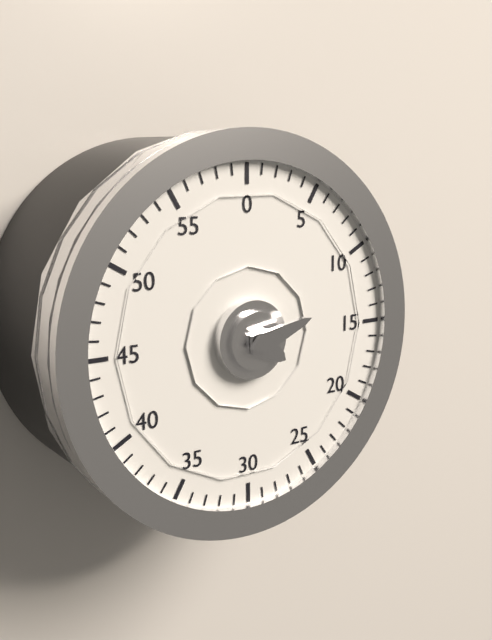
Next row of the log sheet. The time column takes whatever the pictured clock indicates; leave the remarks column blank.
4:12
